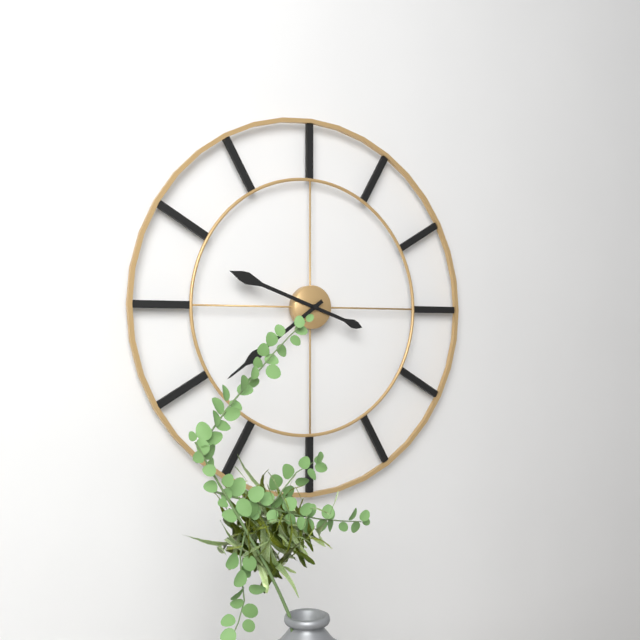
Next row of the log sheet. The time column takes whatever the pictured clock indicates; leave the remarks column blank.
9:39
